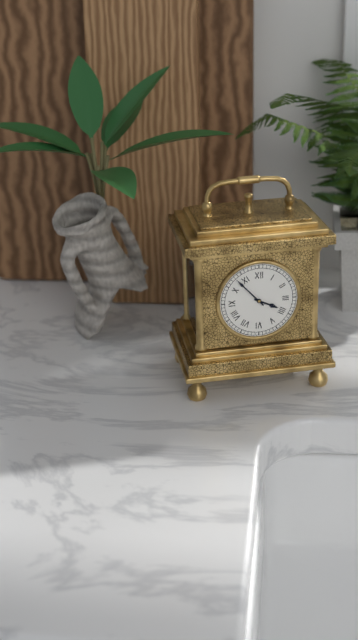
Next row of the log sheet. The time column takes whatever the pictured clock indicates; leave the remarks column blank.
3:53
